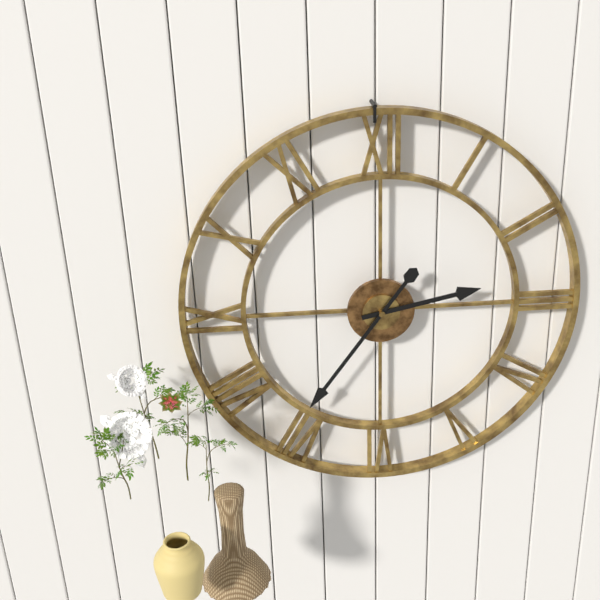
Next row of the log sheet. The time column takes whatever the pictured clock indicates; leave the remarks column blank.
2:36
